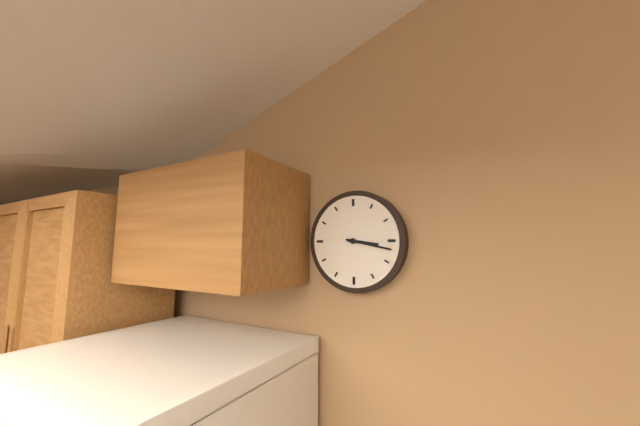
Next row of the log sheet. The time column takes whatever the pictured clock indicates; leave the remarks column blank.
3:17
